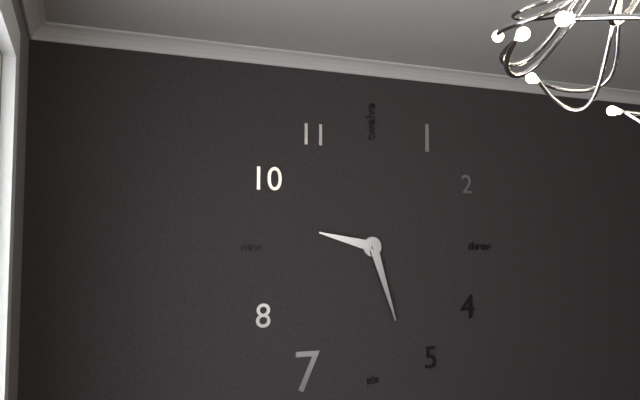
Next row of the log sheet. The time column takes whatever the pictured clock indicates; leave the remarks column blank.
9:27
